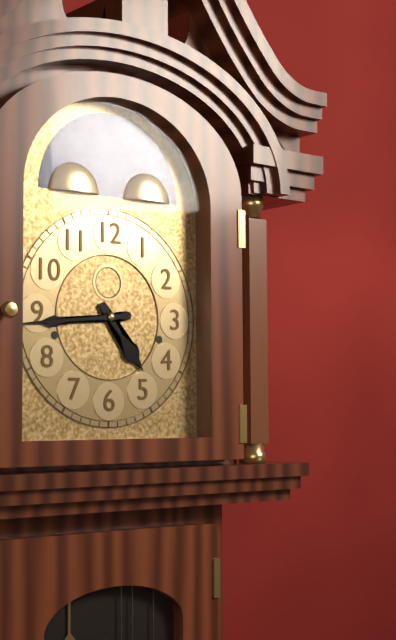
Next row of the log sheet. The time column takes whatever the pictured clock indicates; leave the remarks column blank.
4:44
